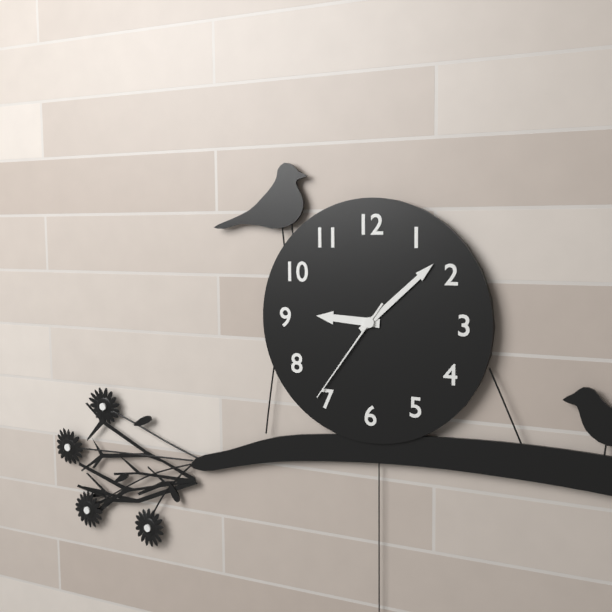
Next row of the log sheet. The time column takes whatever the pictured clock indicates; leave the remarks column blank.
9:08:36
